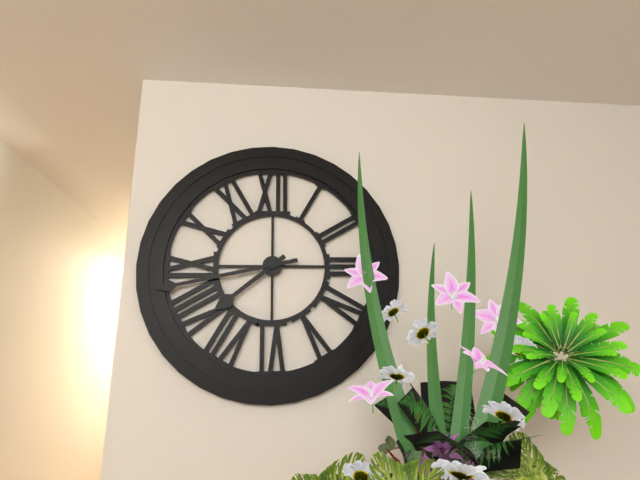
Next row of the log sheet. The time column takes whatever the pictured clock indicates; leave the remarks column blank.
7:43
